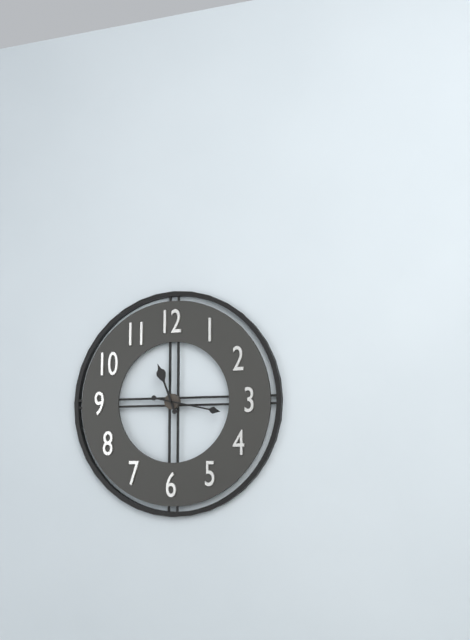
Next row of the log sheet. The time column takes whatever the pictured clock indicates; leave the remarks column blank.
11:17
